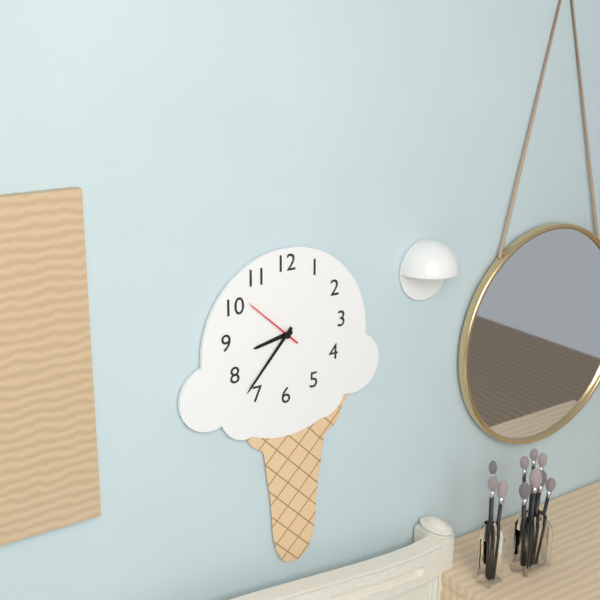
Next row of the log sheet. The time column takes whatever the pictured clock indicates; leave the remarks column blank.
8:37:52
